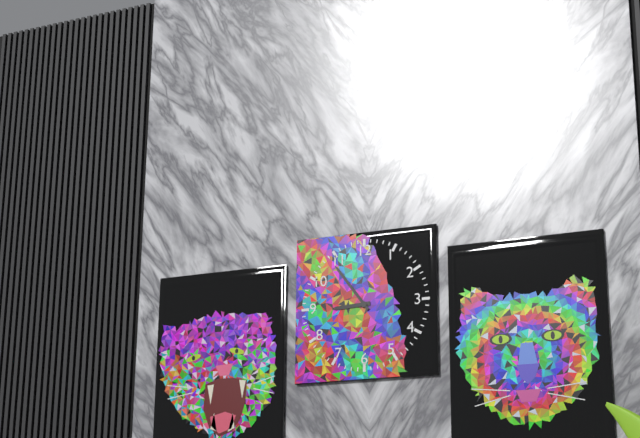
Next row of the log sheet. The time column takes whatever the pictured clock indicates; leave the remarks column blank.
8:54
